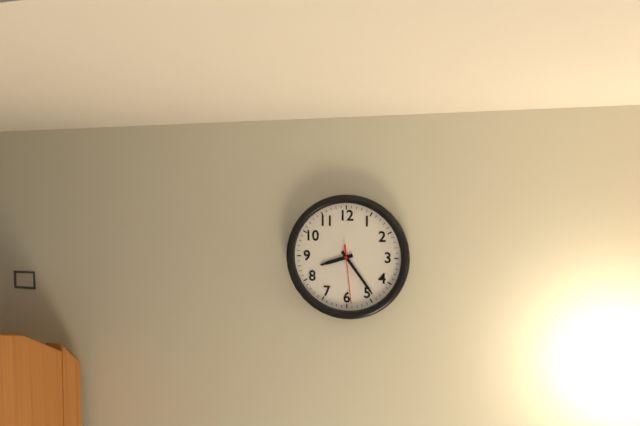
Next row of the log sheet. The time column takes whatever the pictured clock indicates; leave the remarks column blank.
8:24:29
